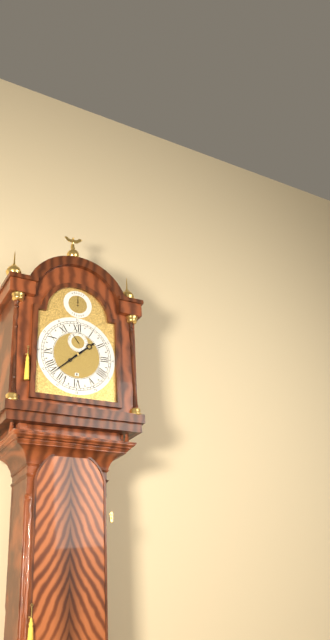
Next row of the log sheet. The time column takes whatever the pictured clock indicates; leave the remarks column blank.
1:38
